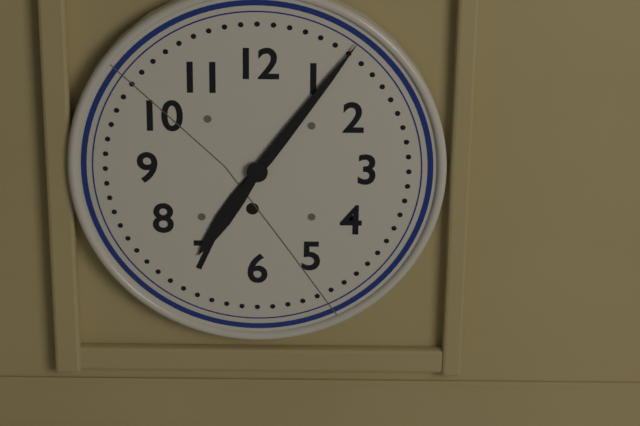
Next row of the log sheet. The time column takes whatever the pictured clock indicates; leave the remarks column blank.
7:06
